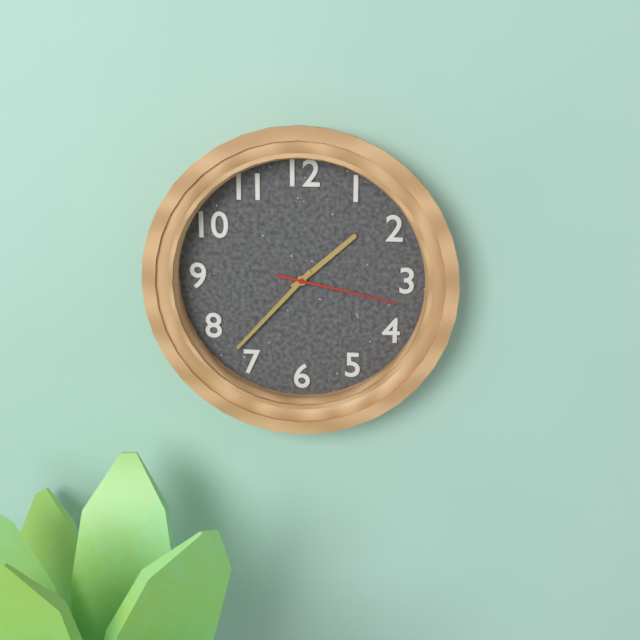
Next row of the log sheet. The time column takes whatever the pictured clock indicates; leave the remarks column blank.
1:37:17
